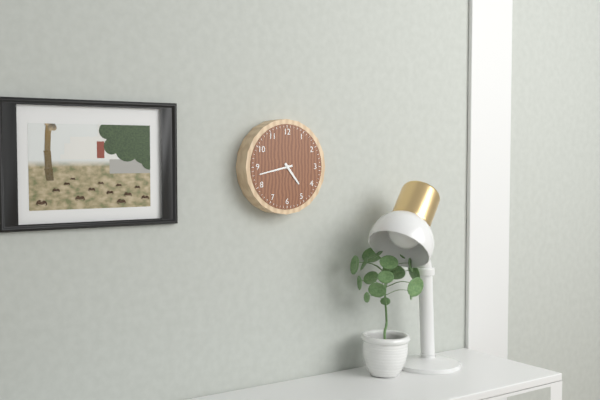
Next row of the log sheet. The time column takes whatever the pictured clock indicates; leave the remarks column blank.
4:43
